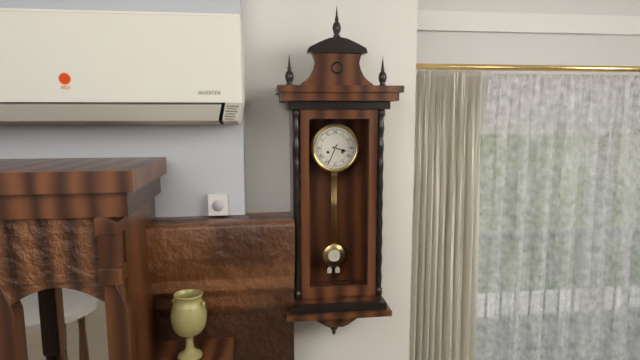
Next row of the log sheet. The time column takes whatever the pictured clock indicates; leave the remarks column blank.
3:34
